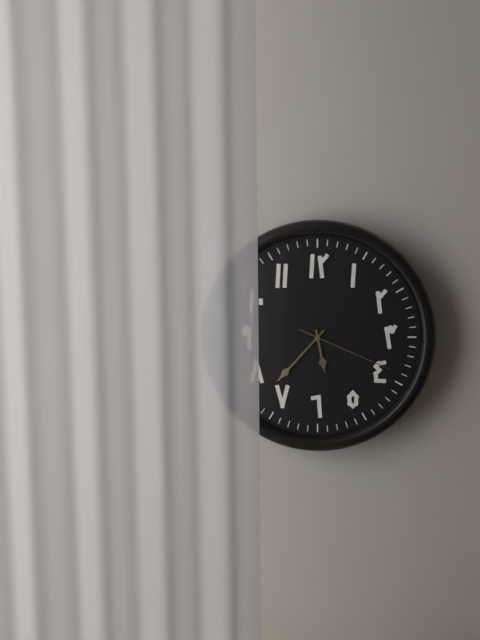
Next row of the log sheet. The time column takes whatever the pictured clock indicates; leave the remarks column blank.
5:37:19
